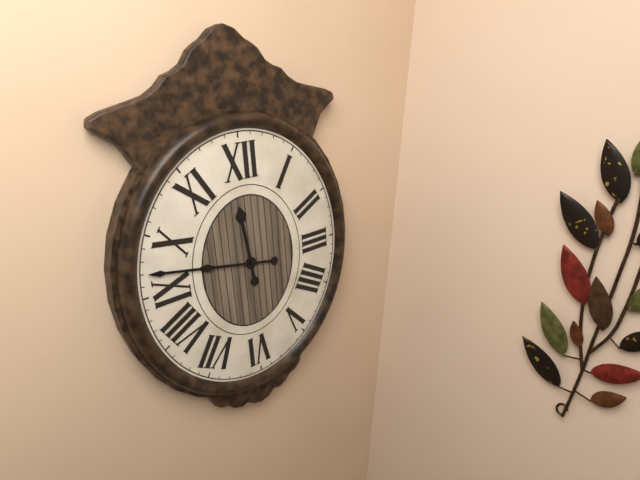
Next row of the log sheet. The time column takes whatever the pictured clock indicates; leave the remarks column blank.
11:47
